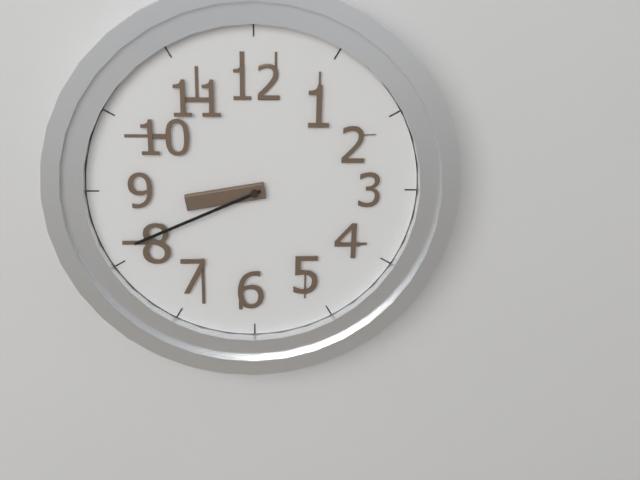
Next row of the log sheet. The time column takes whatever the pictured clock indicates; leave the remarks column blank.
8:41
